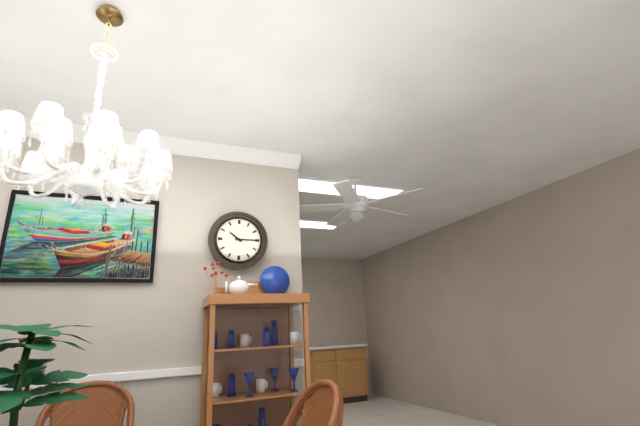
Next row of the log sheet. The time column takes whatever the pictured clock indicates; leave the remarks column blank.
10:15
